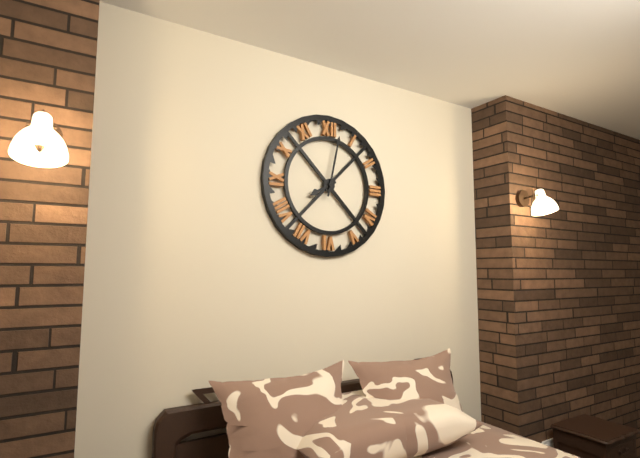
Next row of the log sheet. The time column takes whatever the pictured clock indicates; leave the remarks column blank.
8:02
